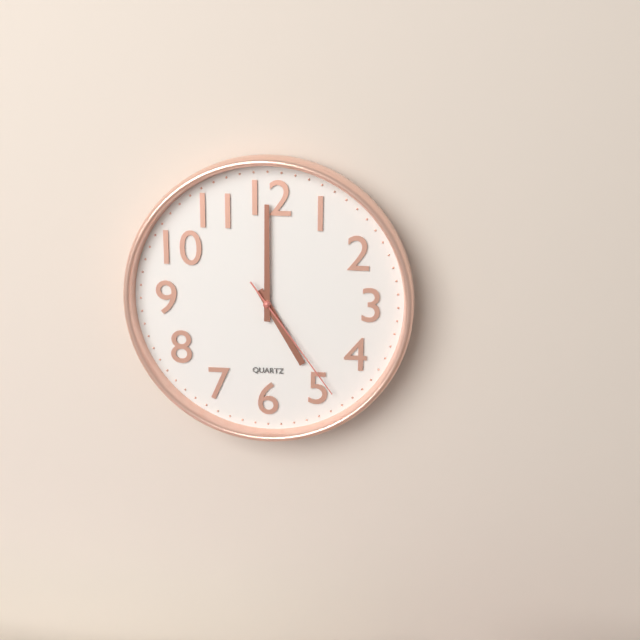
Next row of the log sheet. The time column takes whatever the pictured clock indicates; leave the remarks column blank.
5:00:24
